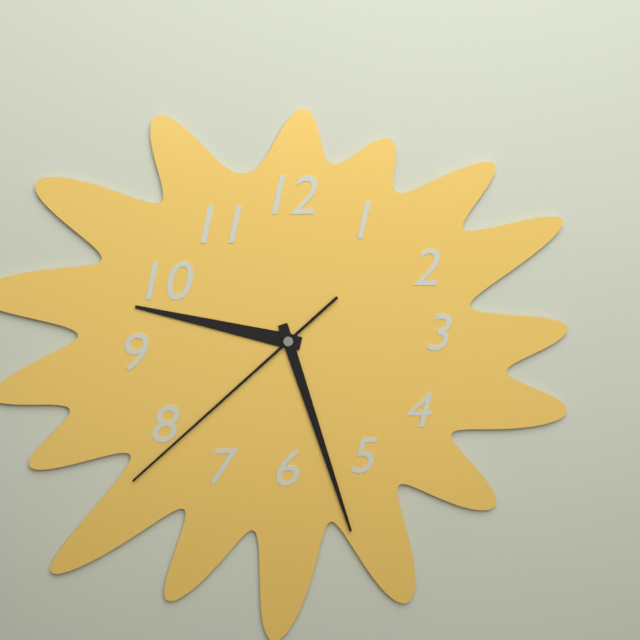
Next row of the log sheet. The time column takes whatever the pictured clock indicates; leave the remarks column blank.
9:27:38
